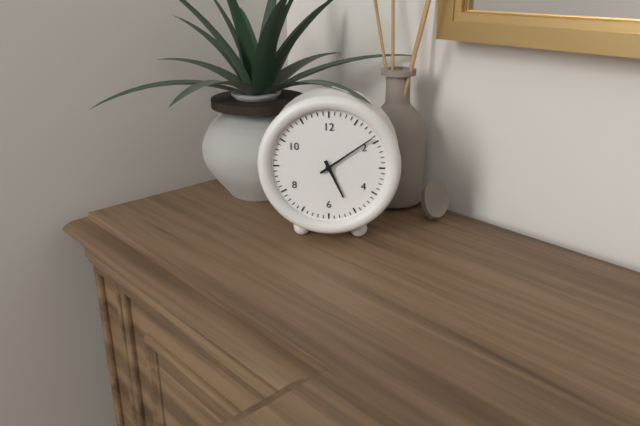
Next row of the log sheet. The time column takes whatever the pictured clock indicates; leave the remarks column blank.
5:09
